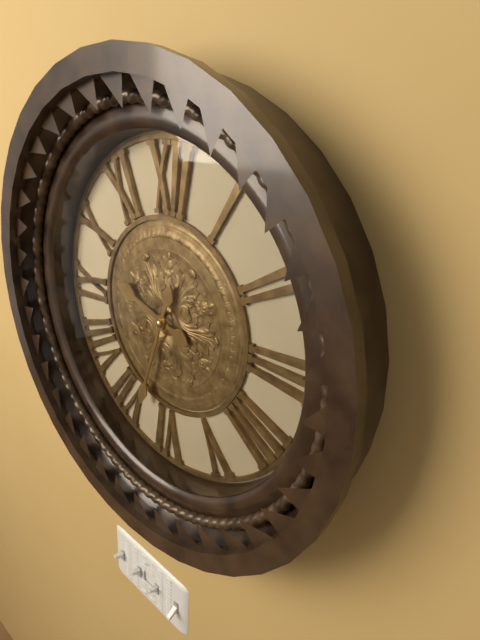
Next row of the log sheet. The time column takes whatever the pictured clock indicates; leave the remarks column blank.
9:33
